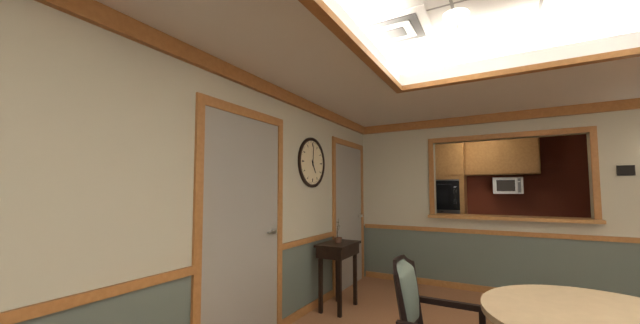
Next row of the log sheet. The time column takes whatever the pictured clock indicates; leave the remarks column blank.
5:01
